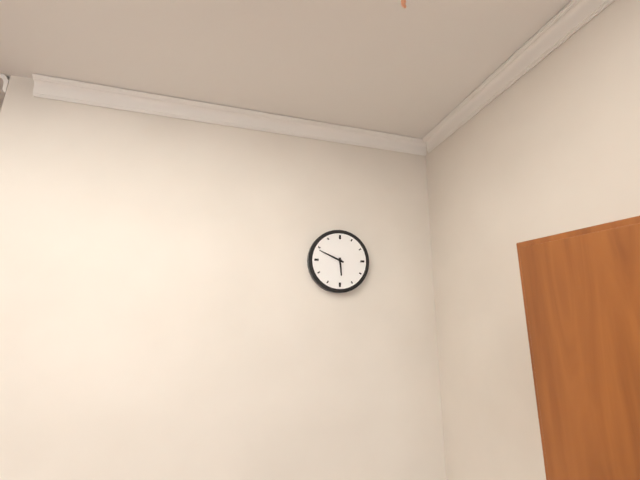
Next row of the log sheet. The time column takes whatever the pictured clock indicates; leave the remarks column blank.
5:49
